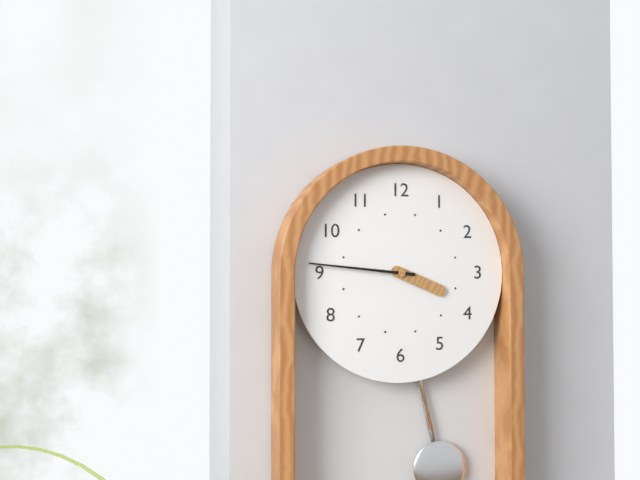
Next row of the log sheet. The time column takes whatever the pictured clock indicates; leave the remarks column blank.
3:46
